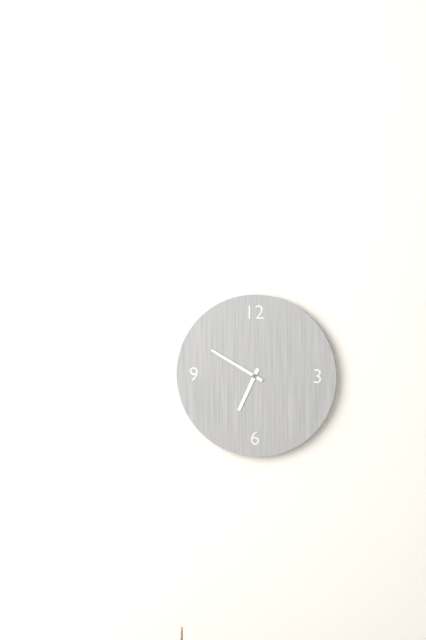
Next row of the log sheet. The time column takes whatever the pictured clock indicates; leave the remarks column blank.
6:50
